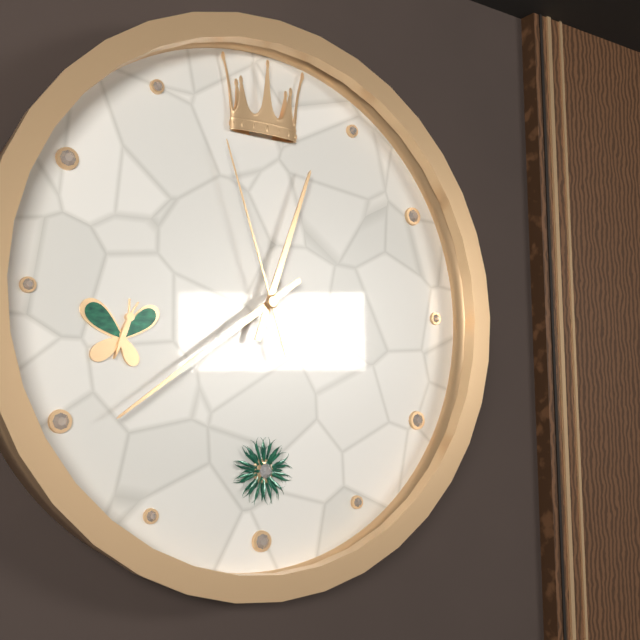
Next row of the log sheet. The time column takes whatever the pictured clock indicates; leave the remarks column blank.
12:39:57
